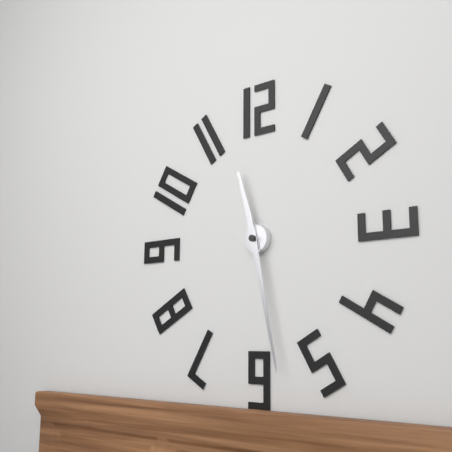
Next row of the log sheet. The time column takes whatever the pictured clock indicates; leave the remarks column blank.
11:28
